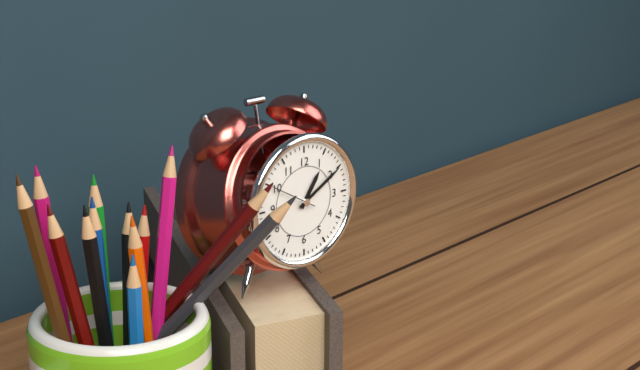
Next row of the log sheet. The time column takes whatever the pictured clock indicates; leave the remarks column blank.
1:10
